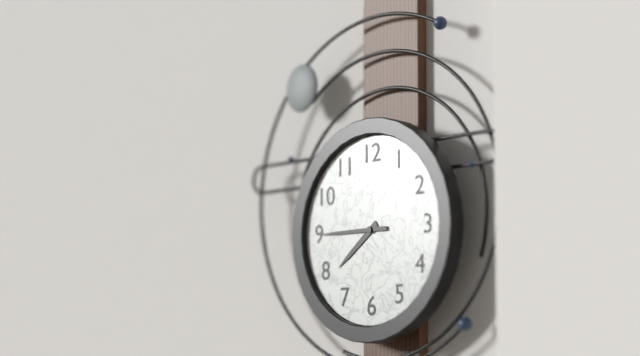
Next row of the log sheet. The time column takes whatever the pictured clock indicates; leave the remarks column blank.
7:45
